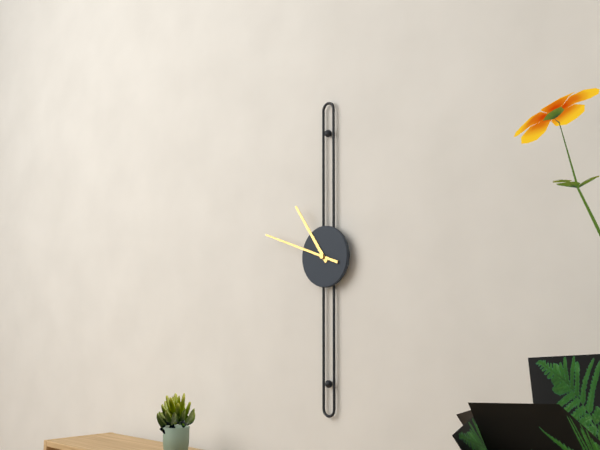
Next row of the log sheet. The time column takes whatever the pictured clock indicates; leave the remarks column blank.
10:48
